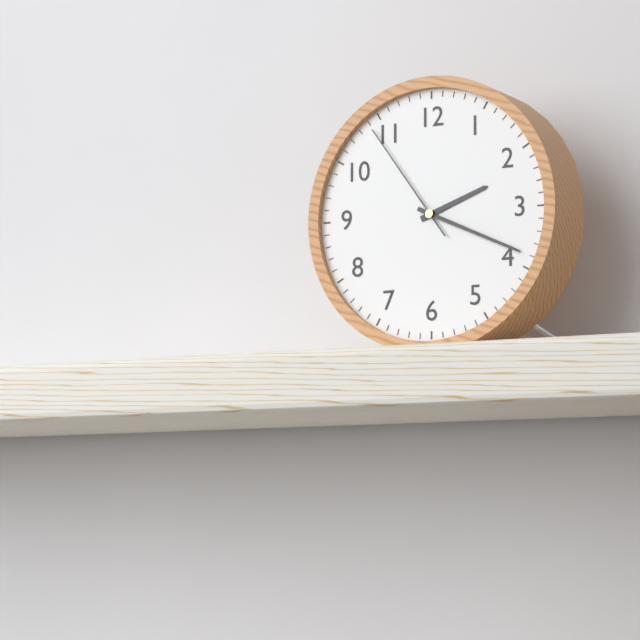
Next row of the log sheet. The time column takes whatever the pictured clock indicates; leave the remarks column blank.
2:19:54
